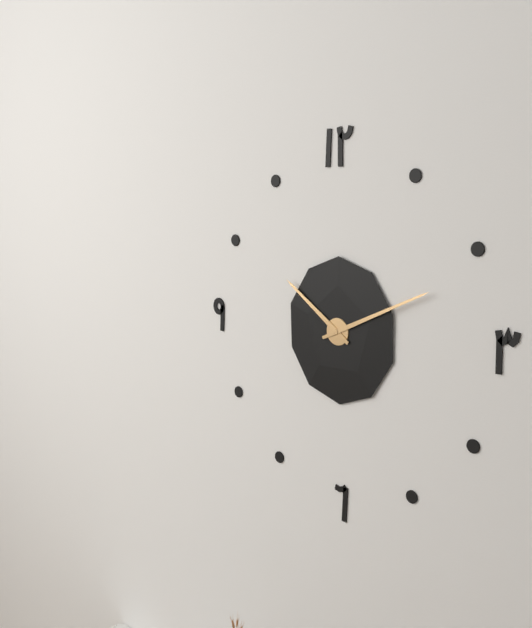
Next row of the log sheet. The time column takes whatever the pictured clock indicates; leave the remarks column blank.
10:11
